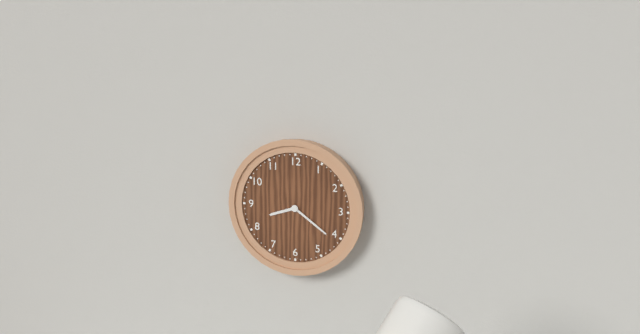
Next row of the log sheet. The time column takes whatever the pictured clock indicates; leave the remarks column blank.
8:21
